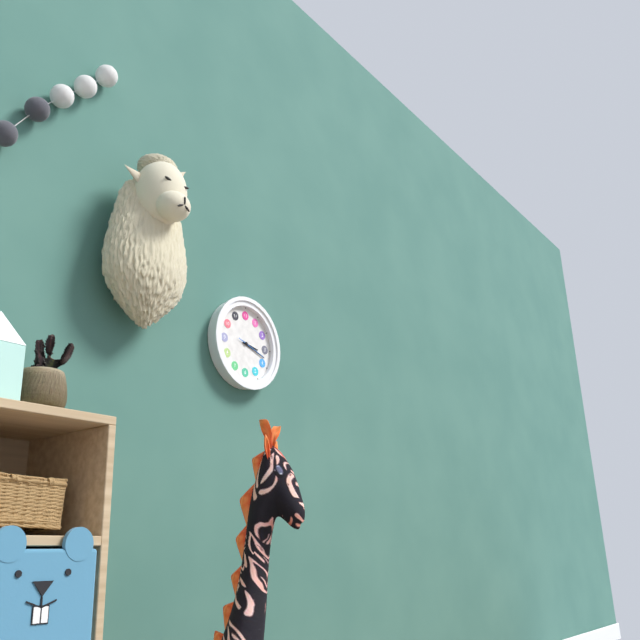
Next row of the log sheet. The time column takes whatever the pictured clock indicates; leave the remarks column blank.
3:18
